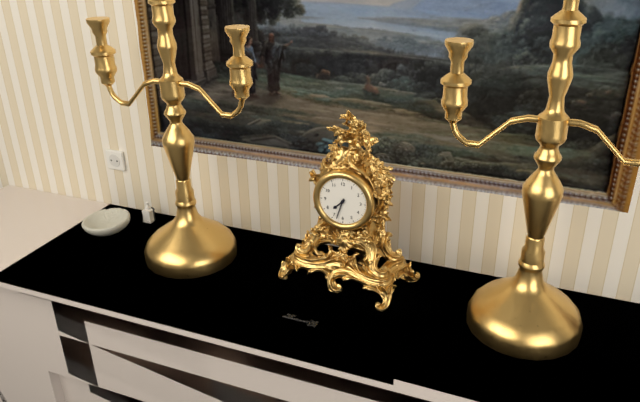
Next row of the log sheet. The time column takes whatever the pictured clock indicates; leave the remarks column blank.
7:33
